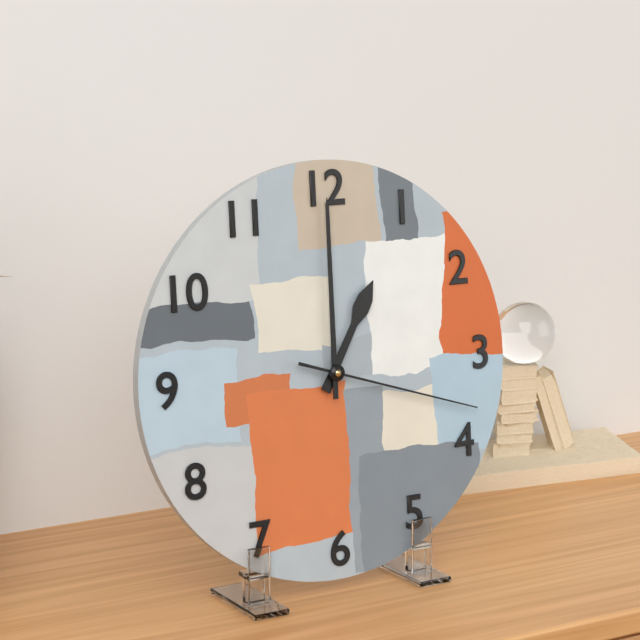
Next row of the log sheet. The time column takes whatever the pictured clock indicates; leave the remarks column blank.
1:00:18
